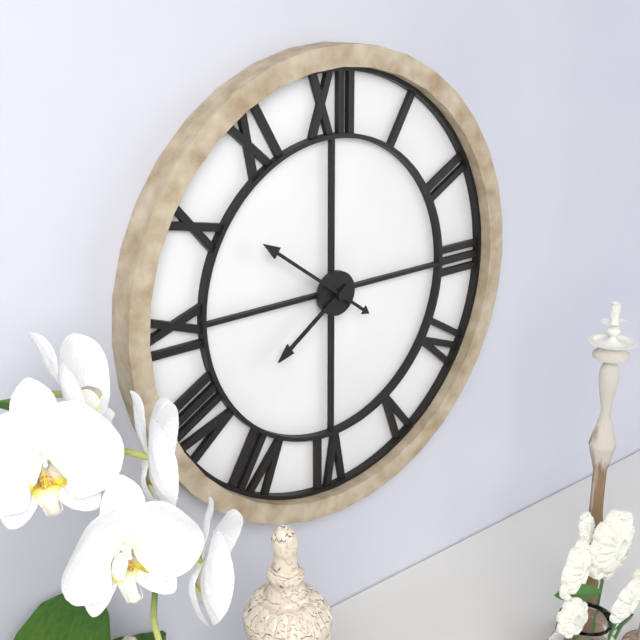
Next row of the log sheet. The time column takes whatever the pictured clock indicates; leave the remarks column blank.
7:51
